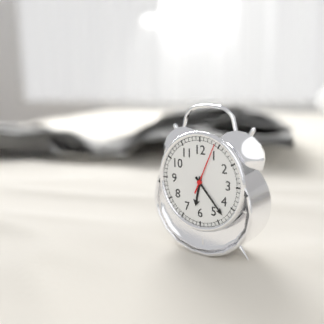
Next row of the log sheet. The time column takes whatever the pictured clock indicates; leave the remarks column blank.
6:23:04
